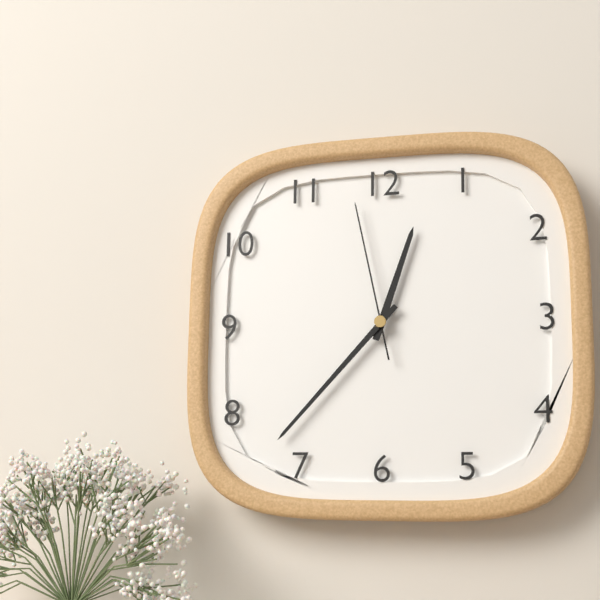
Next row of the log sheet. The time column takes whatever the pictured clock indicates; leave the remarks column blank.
12:37:58
